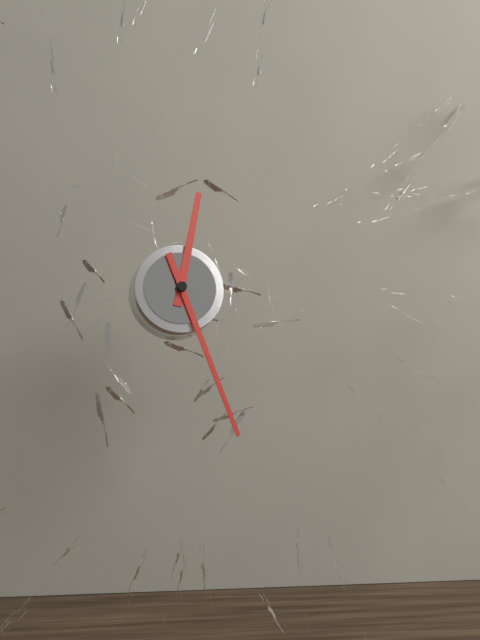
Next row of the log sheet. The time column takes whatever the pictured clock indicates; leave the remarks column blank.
12:27
